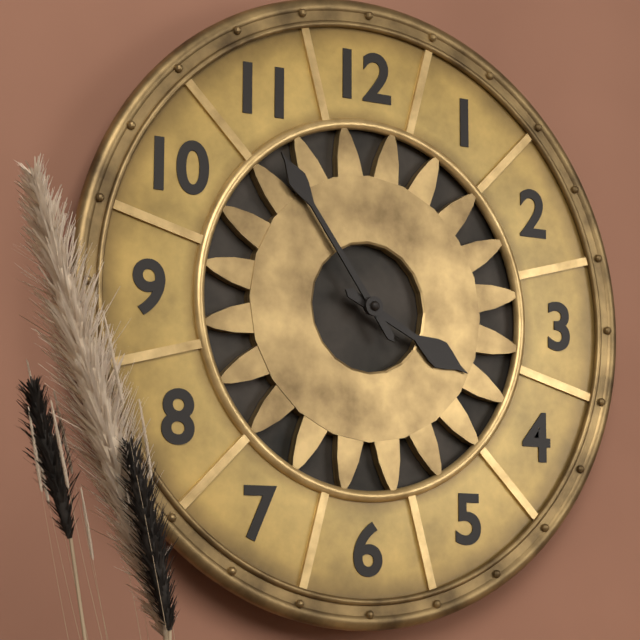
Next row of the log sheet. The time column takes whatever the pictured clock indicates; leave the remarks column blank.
3:54
